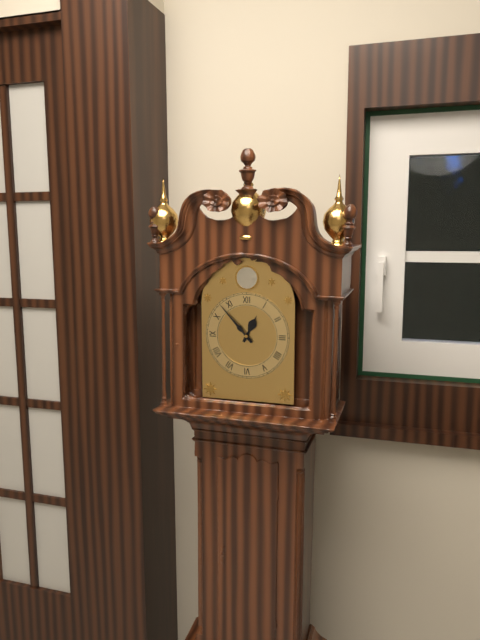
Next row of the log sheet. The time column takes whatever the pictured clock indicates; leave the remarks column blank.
12:53
